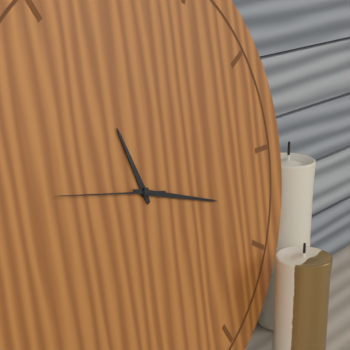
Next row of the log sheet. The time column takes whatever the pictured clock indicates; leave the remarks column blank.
11:18:47
